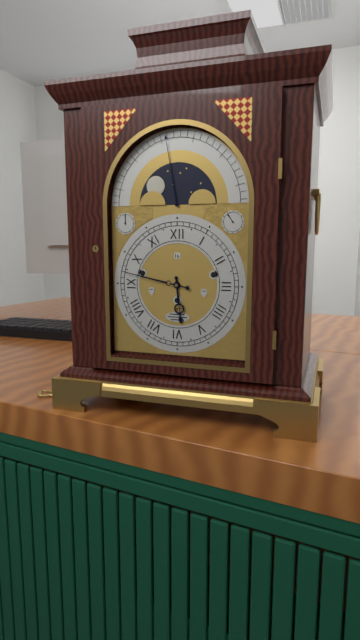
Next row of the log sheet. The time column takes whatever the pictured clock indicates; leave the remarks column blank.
5:47
